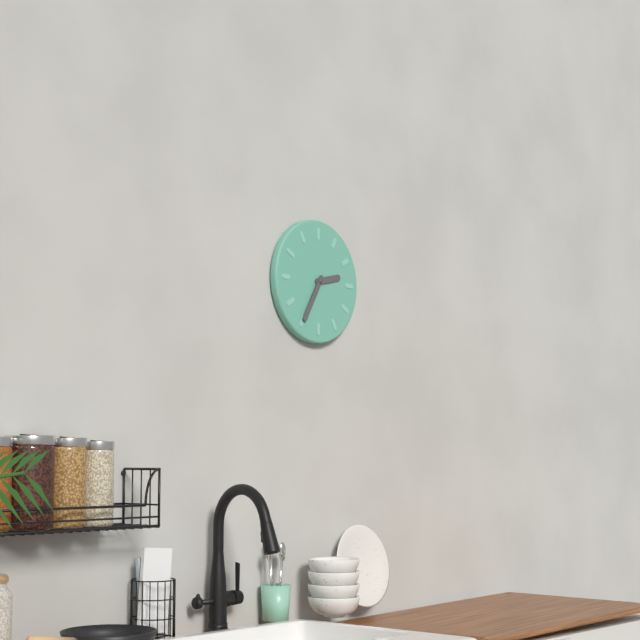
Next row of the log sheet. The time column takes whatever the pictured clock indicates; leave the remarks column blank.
2:35
